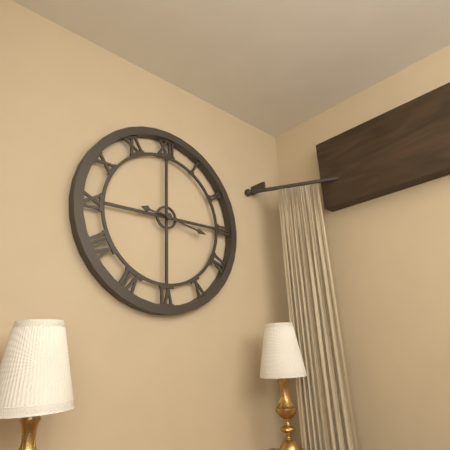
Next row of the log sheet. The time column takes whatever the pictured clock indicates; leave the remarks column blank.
9:17
